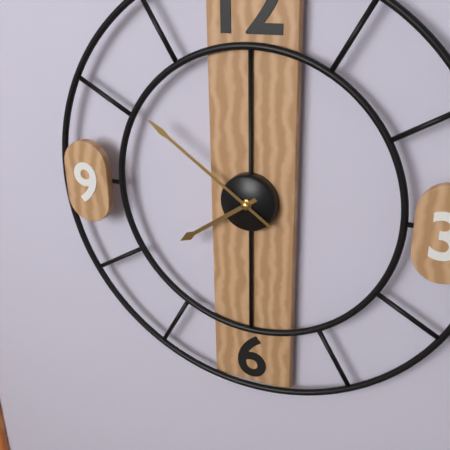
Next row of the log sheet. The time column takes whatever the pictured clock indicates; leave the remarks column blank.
7:51
